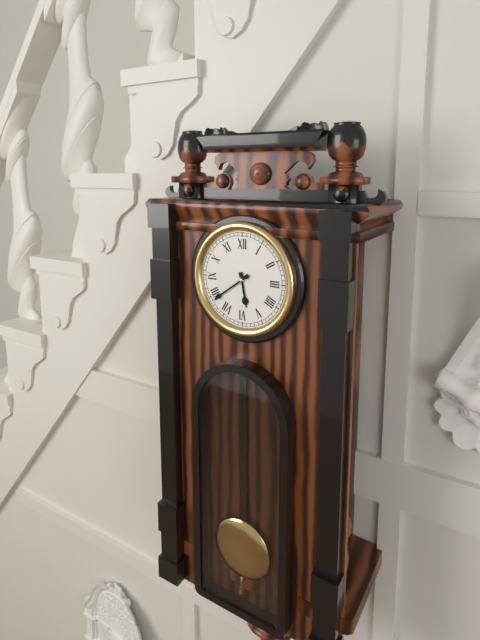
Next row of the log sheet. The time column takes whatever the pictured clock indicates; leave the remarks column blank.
5:39
